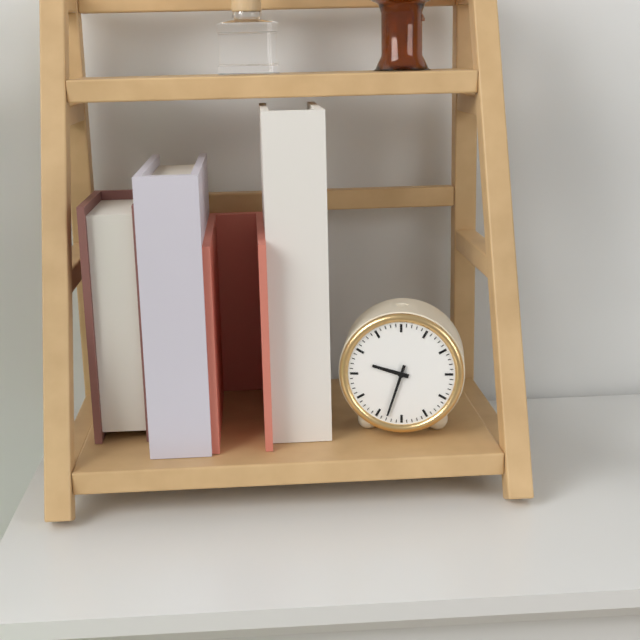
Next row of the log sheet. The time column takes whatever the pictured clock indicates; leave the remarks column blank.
9:33
